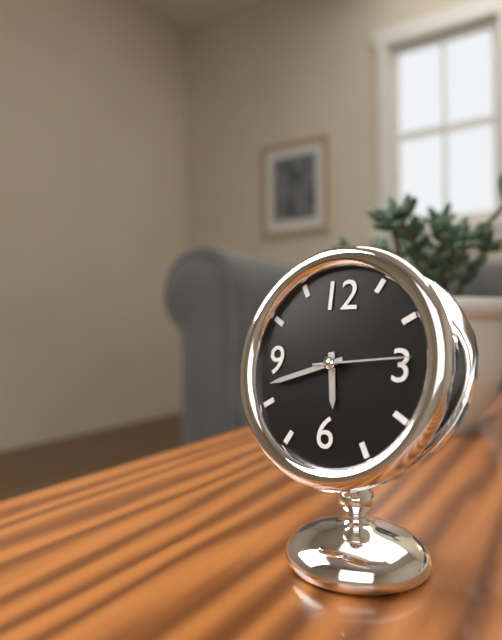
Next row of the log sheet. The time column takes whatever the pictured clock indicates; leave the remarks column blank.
5:42:14
